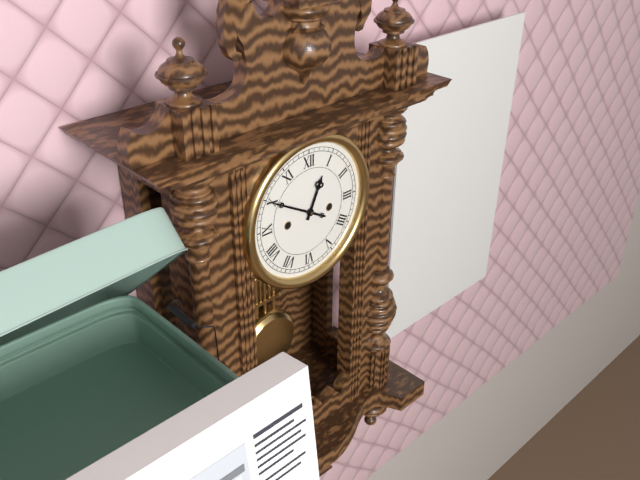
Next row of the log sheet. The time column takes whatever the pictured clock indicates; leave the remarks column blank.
12:50
